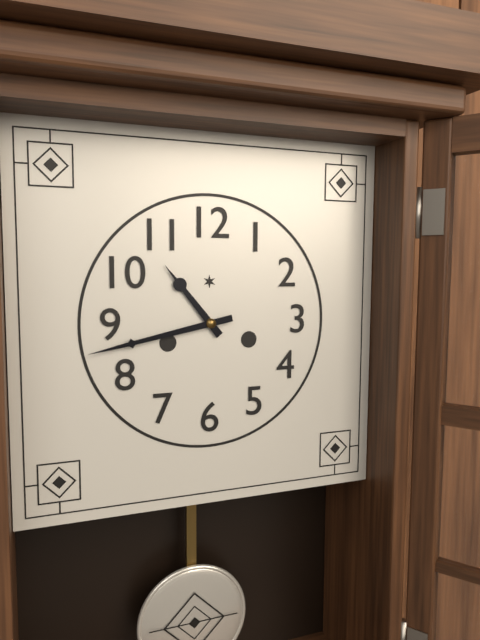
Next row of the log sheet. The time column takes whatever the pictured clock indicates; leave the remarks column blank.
10:43
